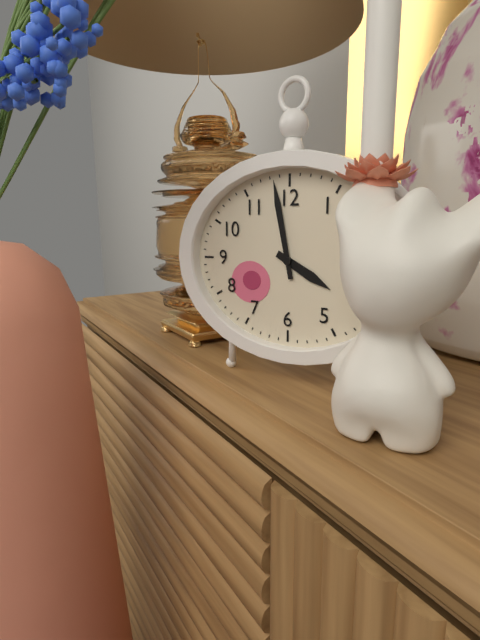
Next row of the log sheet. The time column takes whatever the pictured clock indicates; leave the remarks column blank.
3:58
